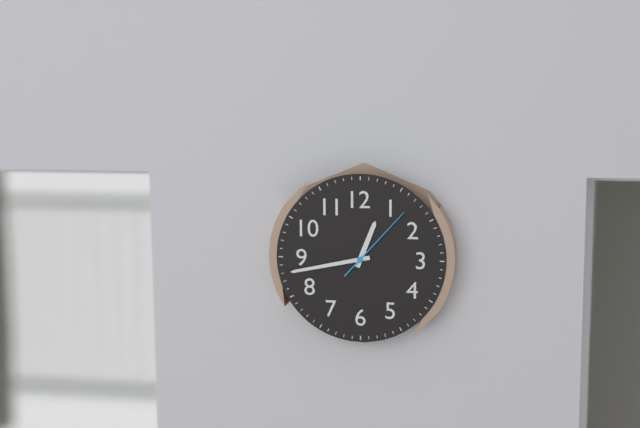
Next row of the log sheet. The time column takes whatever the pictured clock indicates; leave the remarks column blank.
12:43:07
